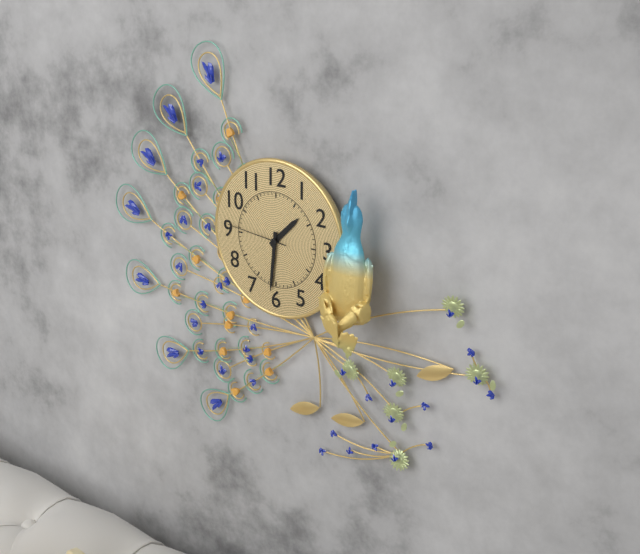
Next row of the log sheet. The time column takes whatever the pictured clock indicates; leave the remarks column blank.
1:31:46
